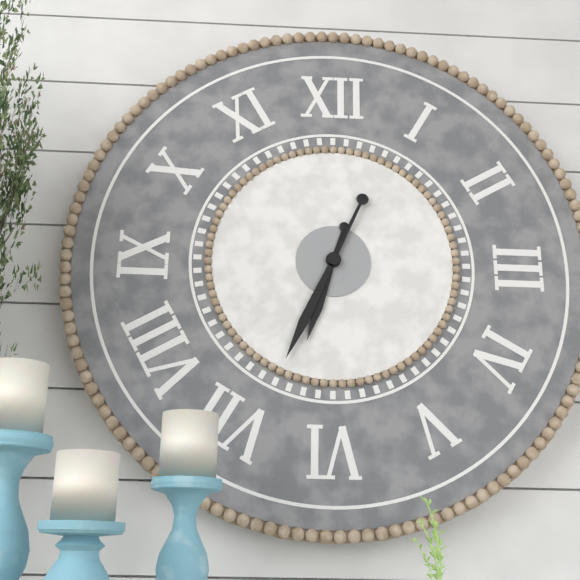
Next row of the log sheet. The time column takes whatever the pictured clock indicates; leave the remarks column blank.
6:34
